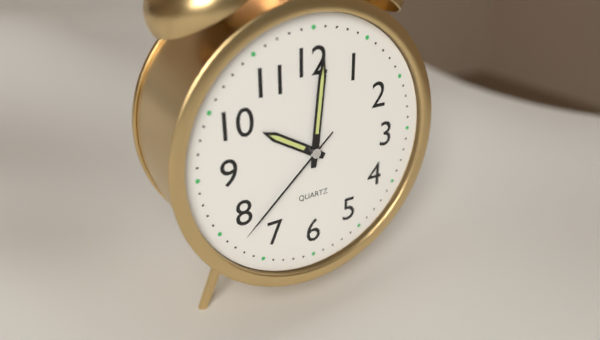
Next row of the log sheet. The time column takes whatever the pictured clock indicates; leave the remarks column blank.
10:01:38
